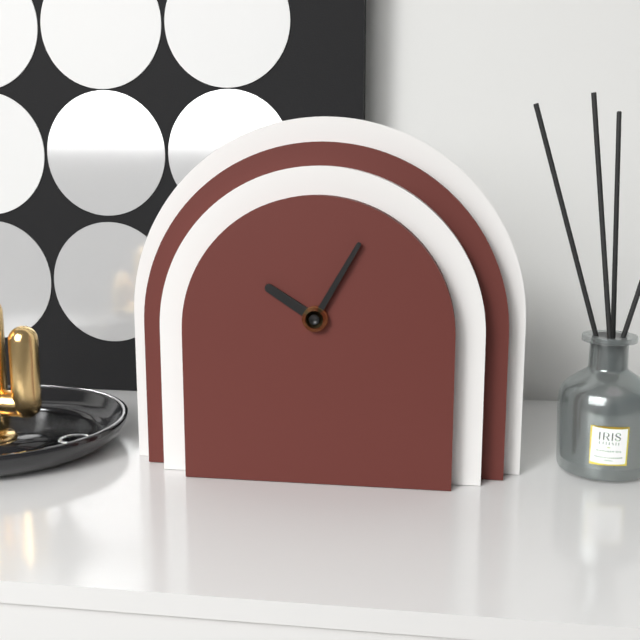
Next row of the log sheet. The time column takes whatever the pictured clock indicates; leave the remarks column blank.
10:05
